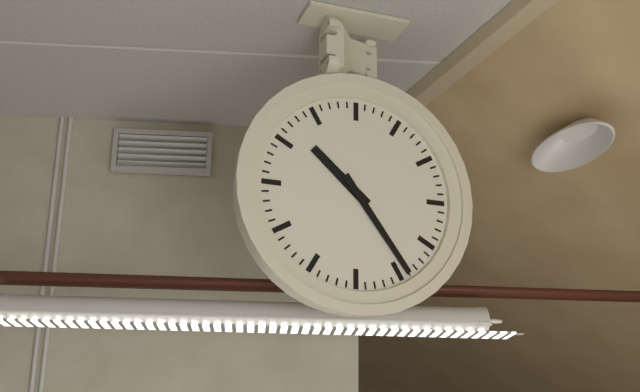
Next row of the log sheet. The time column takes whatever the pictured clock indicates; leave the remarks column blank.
10:24
